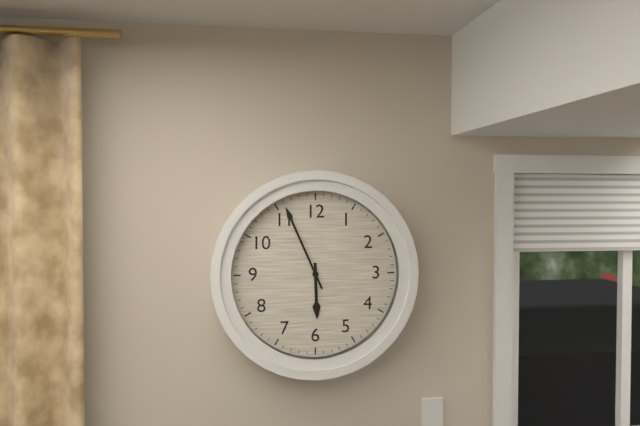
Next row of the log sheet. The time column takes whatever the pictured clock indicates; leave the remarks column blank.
5:56
